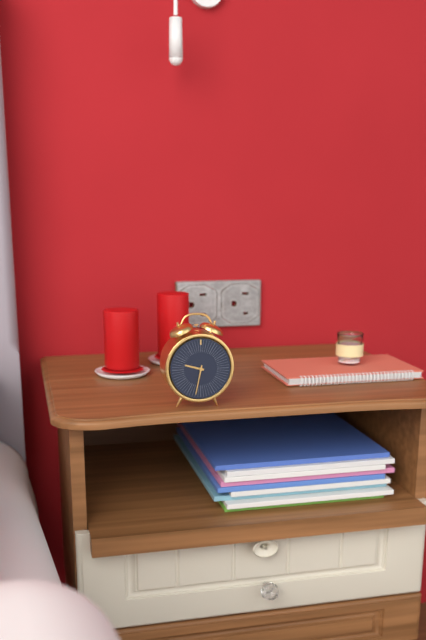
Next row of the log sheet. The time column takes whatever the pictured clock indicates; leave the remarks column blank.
9:32
